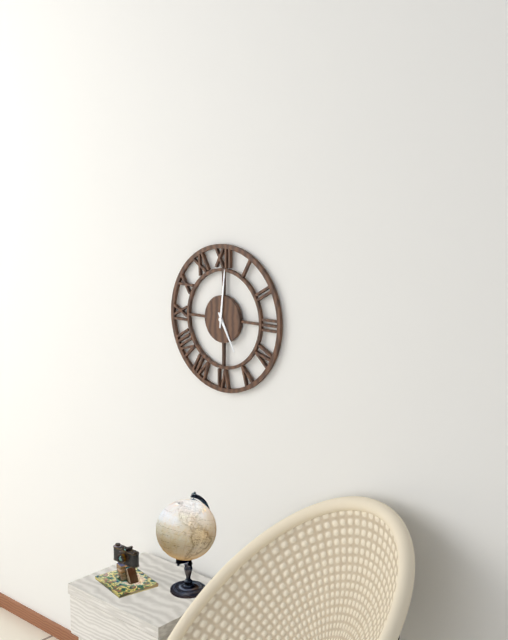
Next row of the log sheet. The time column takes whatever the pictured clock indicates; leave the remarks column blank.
5:01
